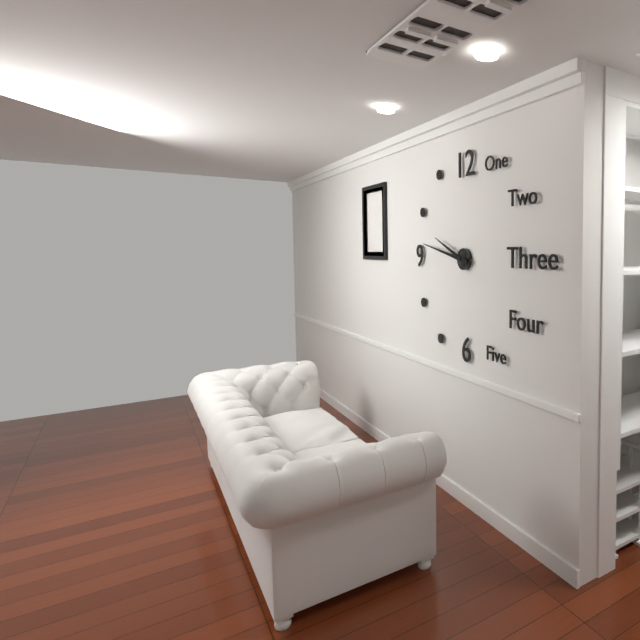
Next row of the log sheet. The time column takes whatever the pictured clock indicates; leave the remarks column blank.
9:47
